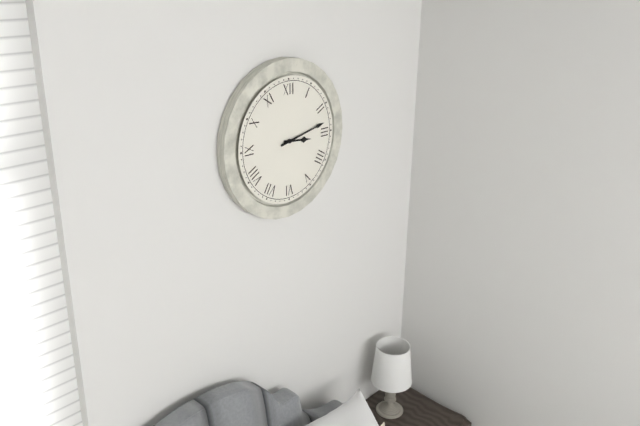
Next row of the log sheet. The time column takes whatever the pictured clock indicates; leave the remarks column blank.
3:13
